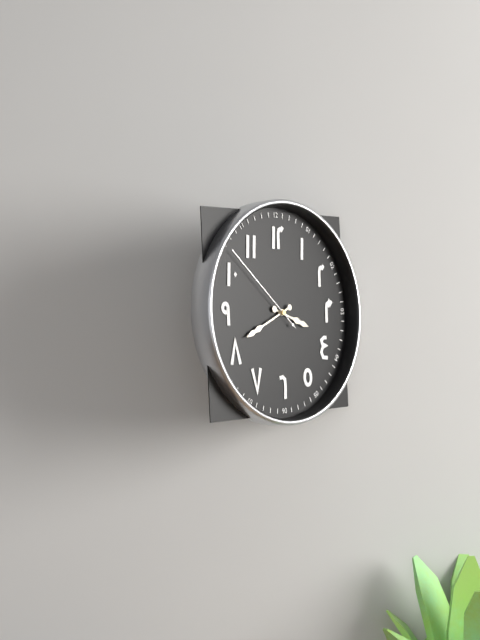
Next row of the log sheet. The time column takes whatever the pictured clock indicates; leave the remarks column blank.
3:41:52
